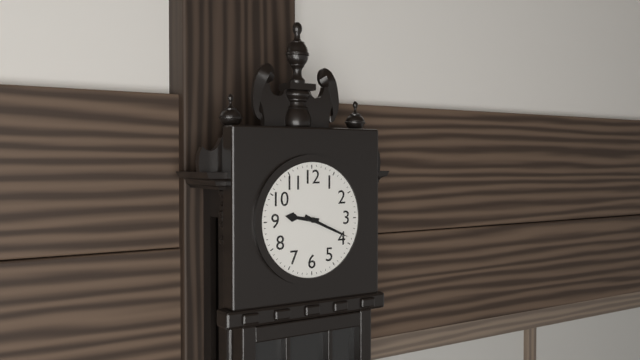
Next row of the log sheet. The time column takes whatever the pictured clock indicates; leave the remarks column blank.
9:19
